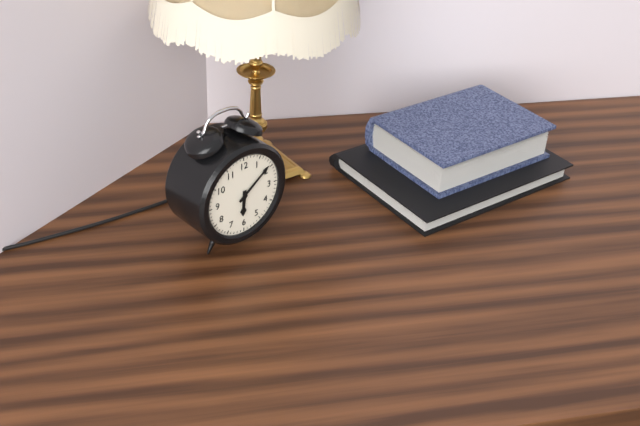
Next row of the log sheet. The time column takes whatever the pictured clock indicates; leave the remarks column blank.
6:09
